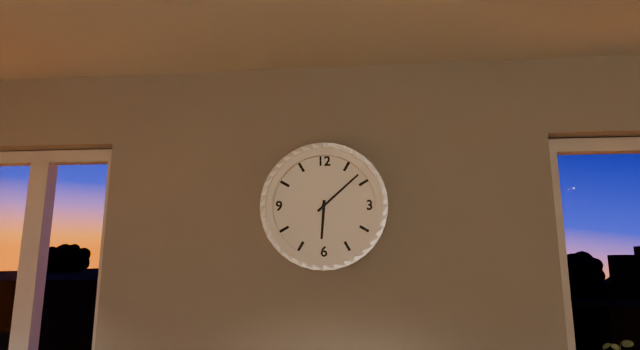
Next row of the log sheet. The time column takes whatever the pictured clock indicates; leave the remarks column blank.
6:08
